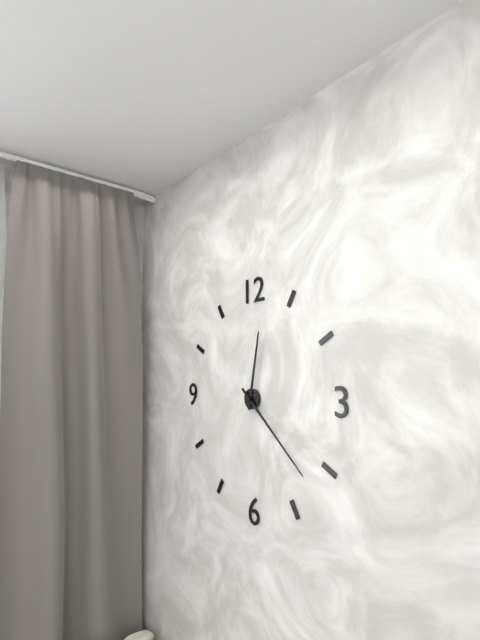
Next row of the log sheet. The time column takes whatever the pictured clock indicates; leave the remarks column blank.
12:22
